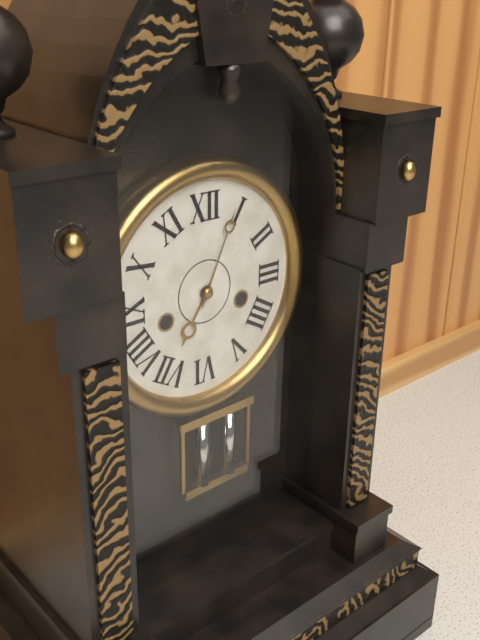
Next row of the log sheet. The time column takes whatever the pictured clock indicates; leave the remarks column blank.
7:04
